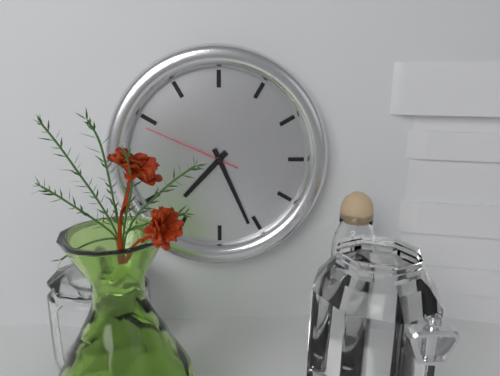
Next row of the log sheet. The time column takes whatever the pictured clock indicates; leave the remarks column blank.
7:26:49
